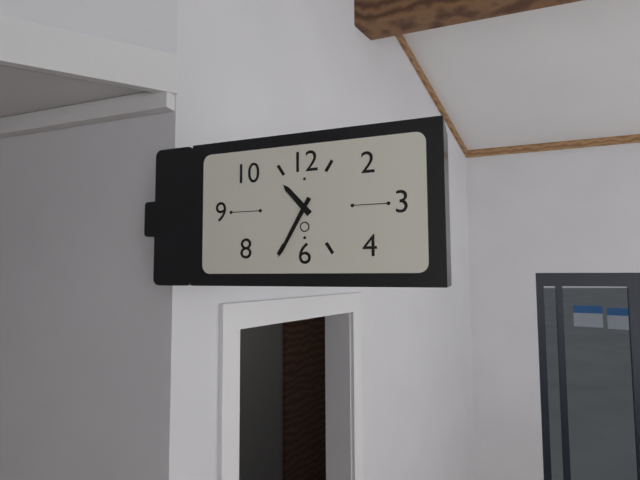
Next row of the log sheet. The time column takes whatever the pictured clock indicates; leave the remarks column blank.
10:35
